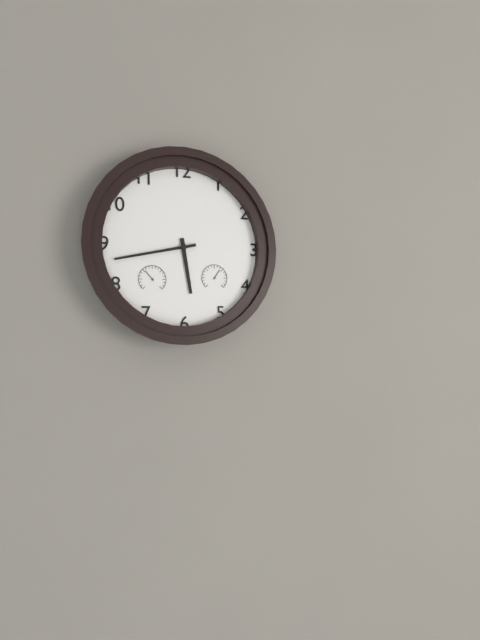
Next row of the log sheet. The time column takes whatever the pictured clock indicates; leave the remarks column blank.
5:43
